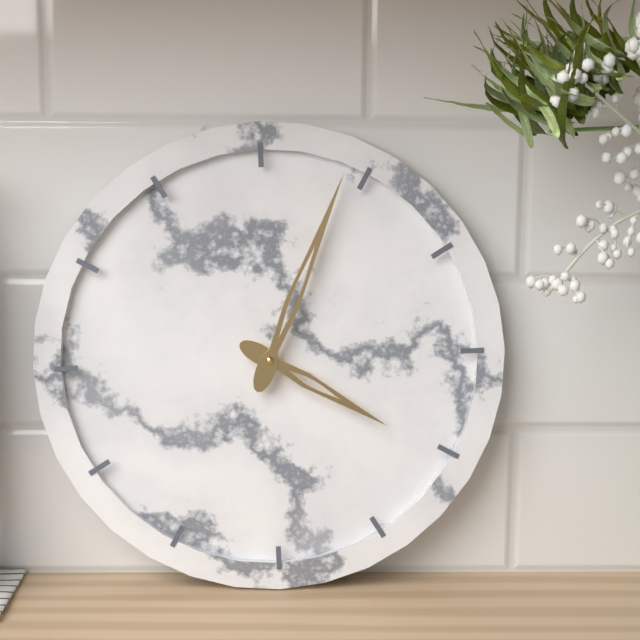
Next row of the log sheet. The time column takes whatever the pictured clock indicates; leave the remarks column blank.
4:04
